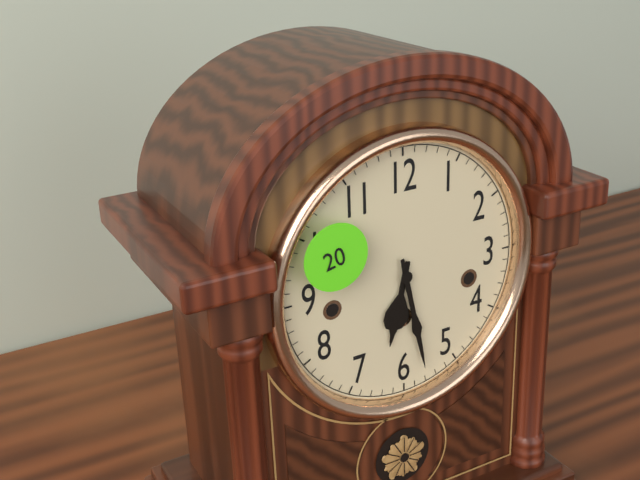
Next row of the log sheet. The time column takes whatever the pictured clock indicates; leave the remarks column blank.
6:28
